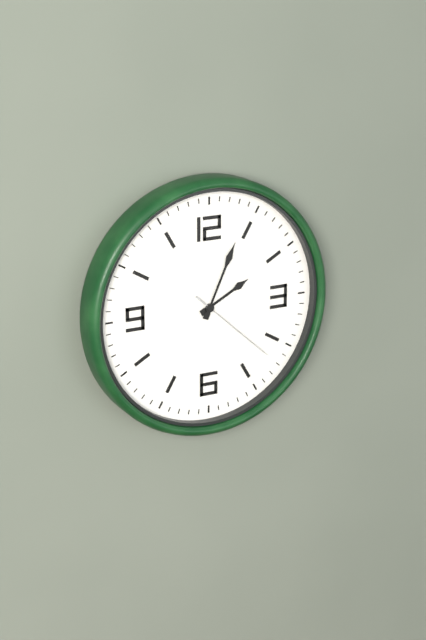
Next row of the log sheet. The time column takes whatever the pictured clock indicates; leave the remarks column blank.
2:04:22
